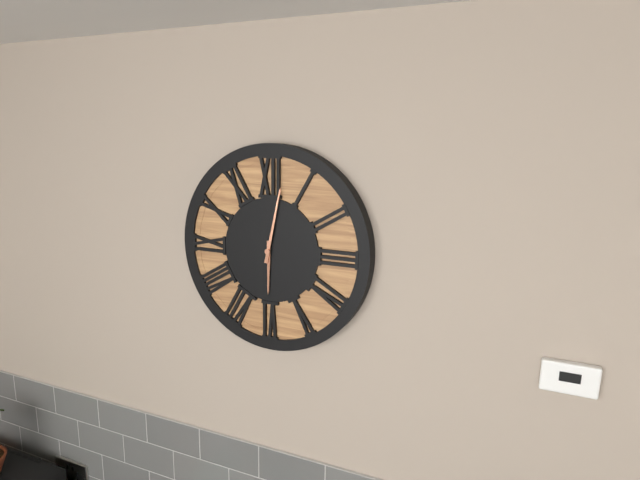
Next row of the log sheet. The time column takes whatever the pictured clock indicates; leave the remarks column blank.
6:02
